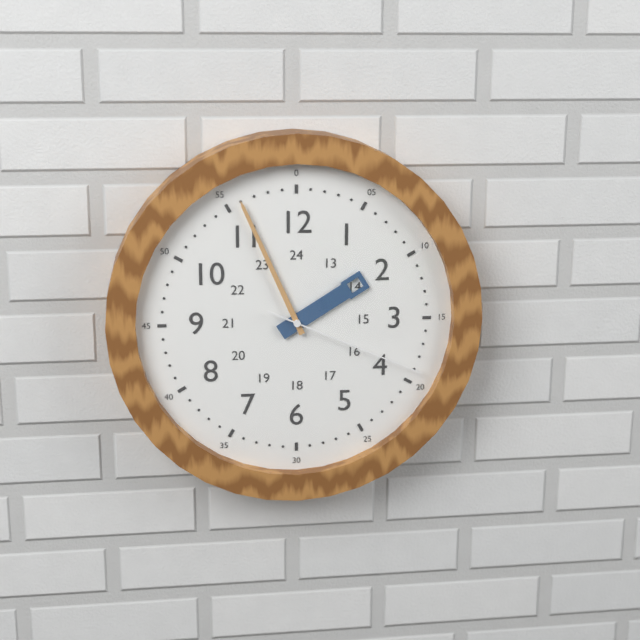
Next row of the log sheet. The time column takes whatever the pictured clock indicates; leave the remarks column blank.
1:56:19
